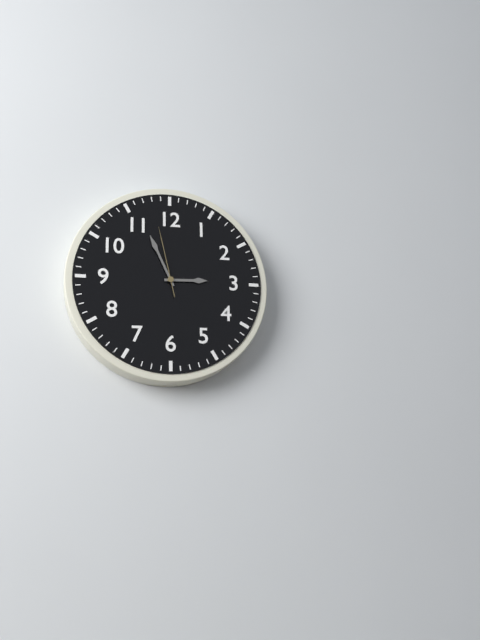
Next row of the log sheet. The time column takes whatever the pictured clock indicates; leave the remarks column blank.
2:56:58
